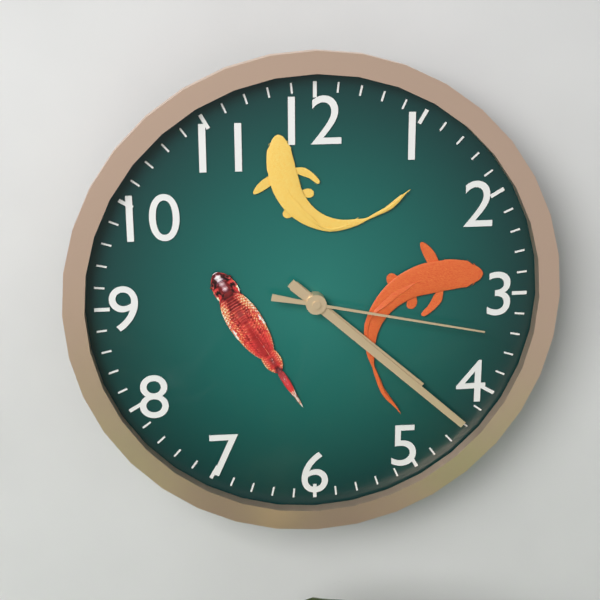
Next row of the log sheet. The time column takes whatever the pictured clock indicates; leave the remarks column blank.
4:22:17
